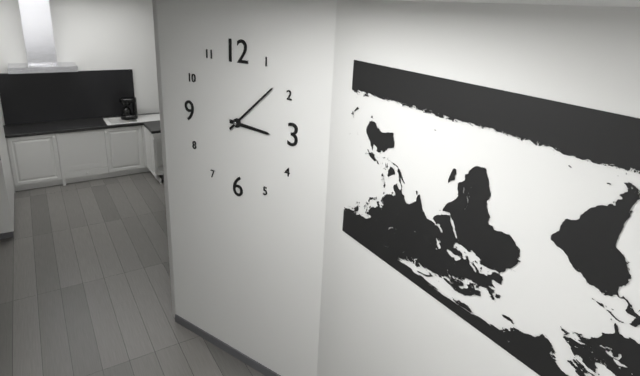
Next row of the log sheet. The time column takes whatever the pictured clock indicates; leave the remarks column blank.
3:08
